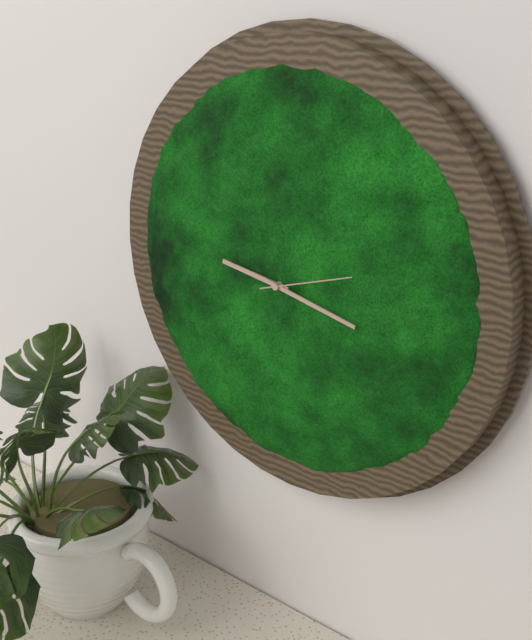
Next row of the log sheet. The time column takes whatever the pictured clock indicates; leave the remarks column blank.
9:17:12
